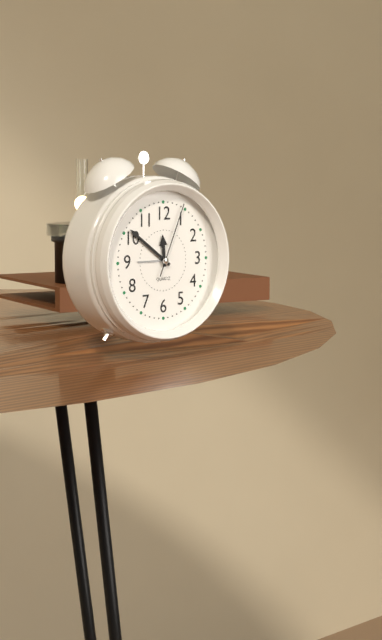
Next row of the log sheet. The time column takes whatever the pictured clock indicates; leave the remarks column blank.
11:51:04
